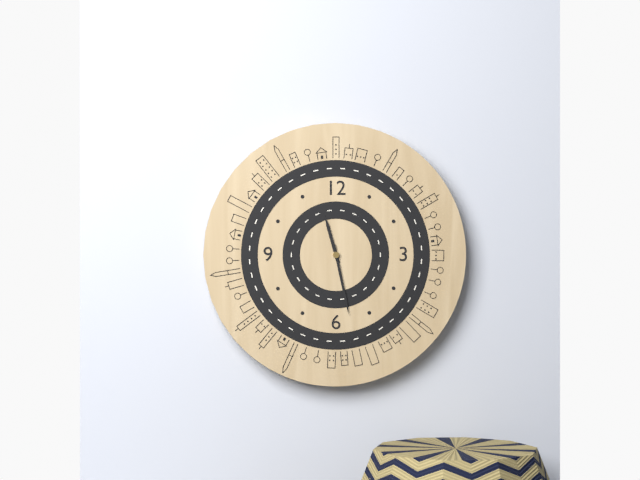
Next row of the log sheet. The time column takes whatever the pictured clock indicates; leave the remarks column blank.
11:28
